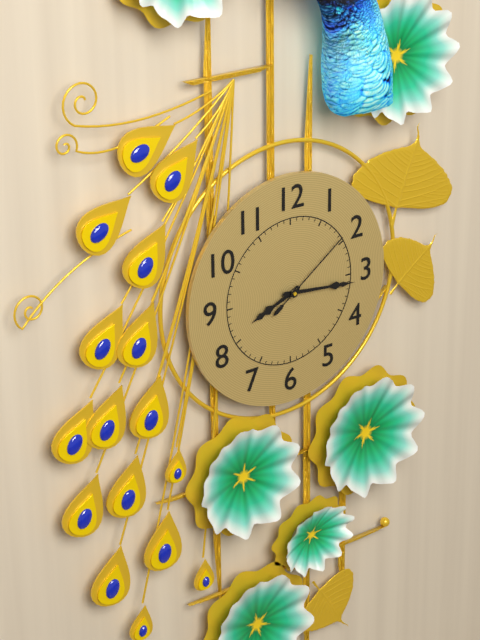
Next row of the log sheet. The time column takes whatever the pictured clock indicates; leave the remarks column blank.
8:16:09
